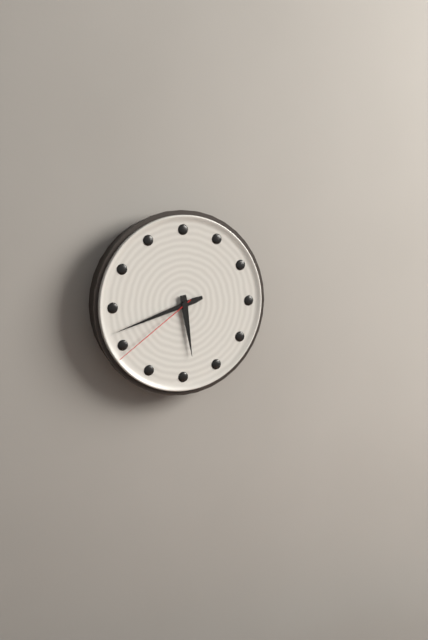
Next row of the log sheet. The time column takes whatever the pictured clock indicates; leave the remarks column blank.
5:42:39
